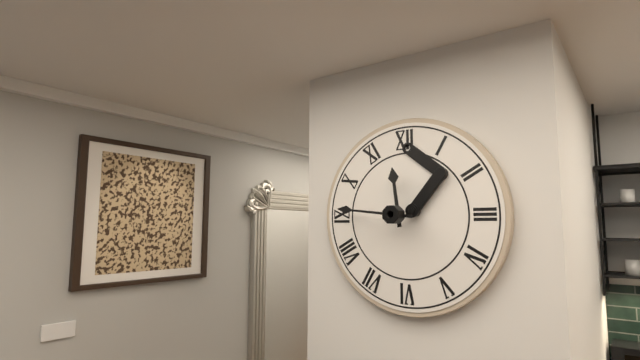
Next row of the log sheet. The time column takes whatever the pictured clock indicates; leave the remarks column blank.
11:46
